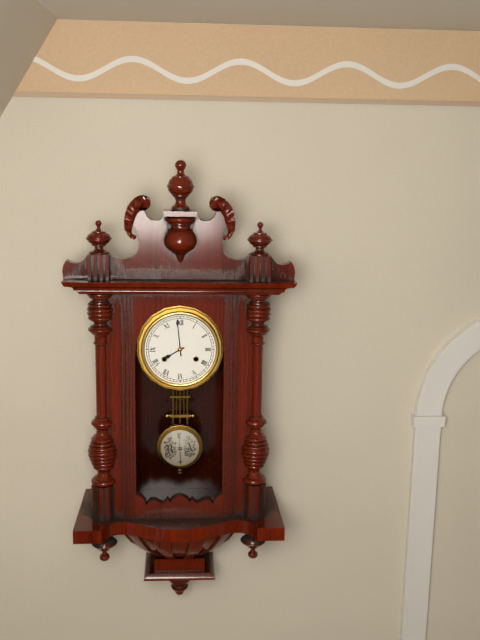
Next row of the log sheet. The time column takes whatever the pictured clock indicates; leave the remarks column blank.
7:59
